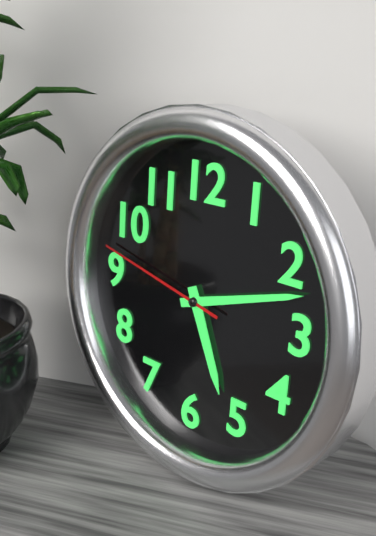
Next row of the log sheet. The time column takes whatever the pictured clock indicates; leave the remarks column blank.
5:12:47
